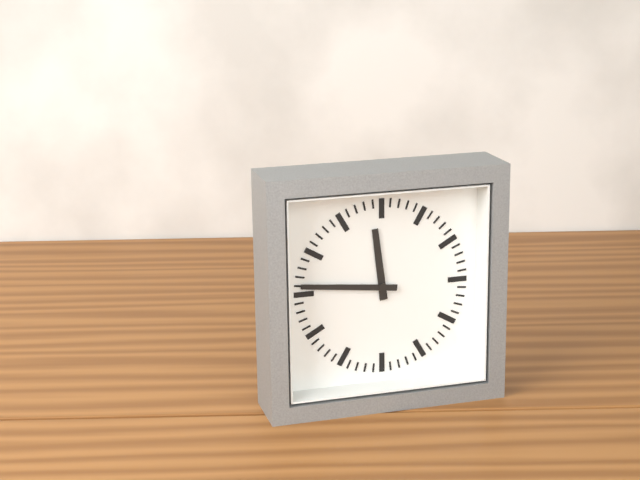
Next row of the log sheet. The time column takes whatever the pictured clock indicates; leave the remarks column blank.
11:46
